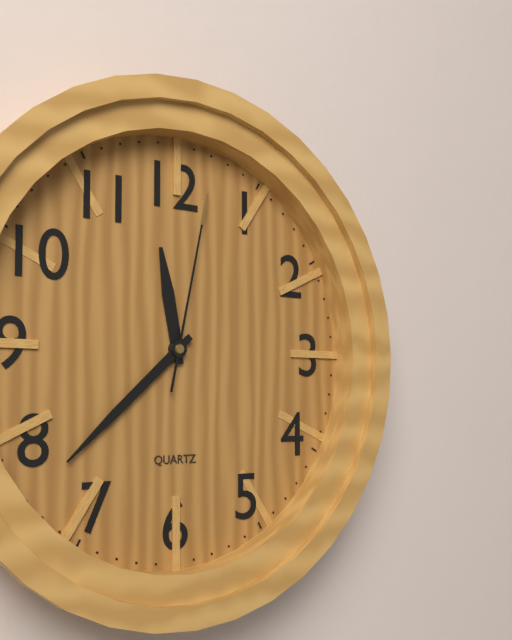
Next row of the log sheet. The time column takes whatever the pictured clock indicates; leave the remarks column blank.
11:38:02
